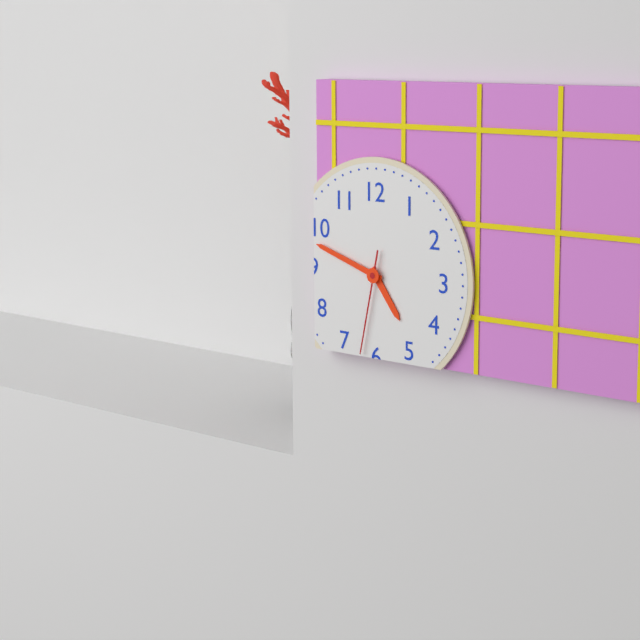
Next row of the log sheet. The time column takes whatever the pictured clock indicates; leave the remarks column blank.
4:48:32
